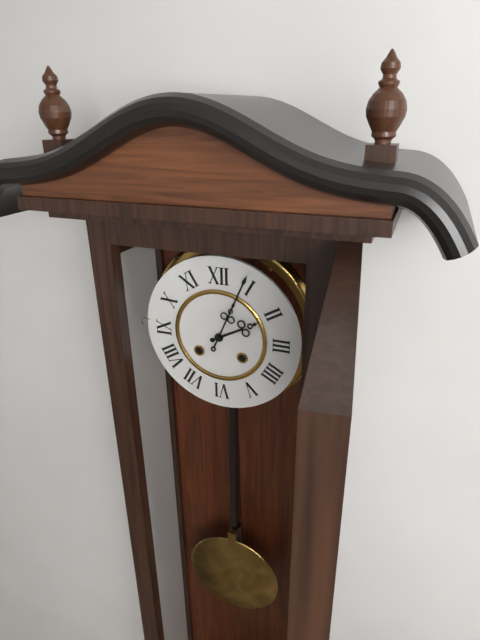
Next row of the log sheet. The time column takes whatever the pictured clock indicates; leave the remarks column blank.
2:04
